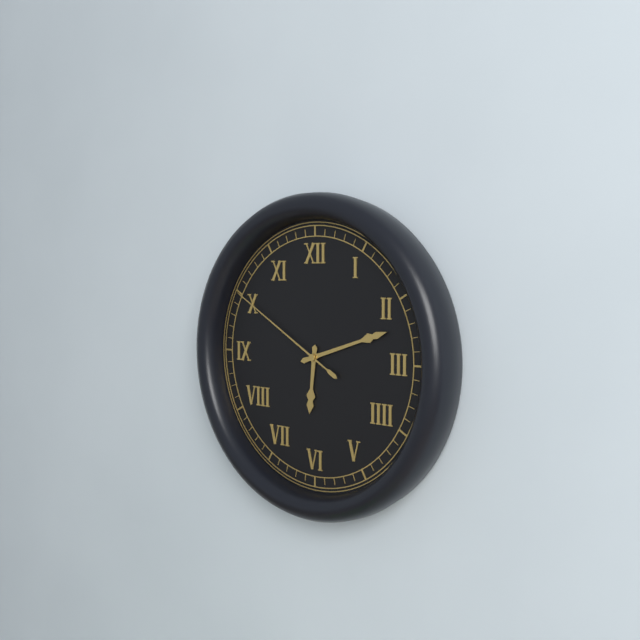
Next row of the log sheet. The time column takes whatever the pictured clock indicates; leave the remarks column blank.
6:12:50
